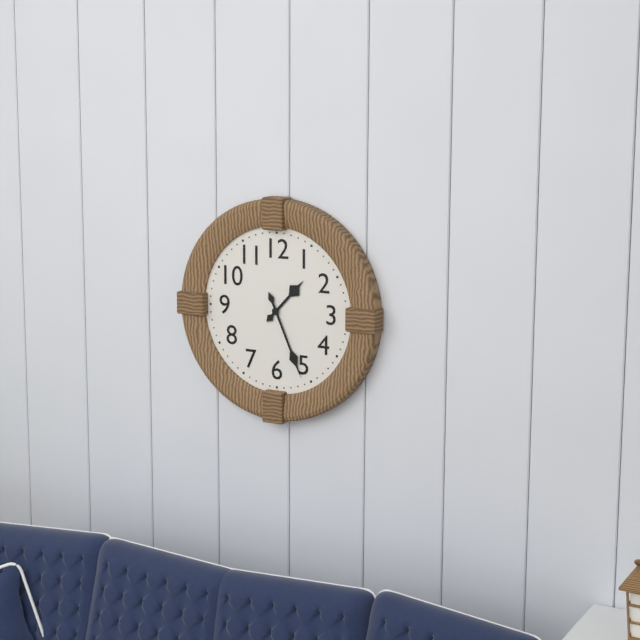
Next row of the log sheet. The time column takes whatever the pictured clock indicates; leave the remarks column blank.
1:26
